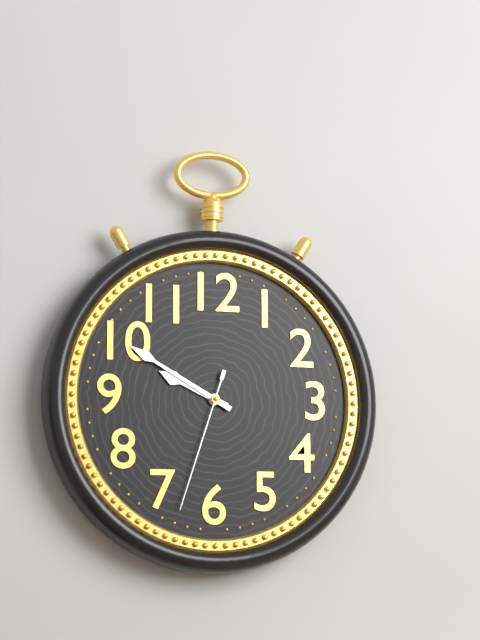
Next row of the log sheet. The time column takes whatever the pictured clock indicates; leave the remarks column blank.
9:50:33
